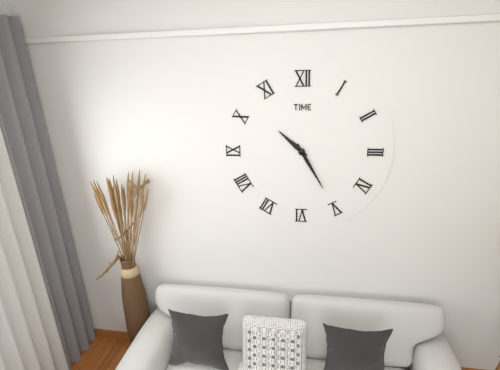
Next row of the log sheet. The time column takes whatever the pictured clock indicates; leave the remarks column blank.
10:25
